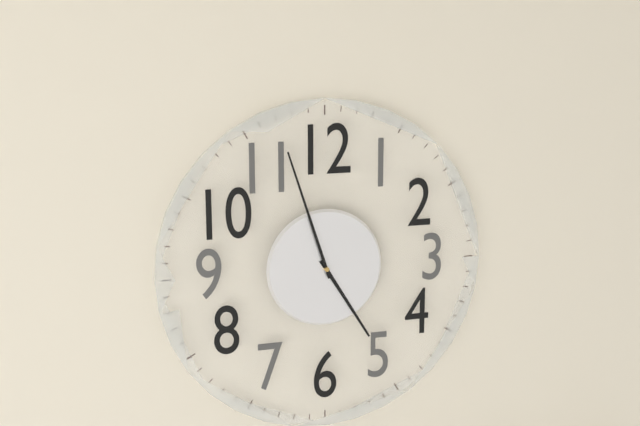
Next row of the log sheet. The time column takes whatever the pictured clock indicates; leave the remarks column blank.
4:57
